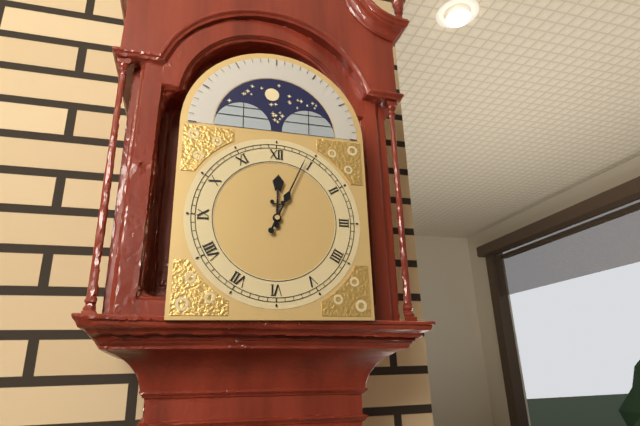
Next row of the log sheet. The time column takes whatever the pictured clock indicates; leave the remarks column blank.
12:04
